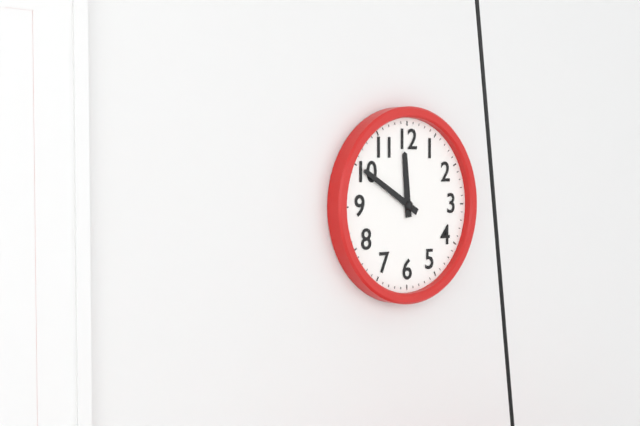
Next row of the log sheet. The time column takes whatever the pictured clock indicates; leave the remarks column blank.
11:50
